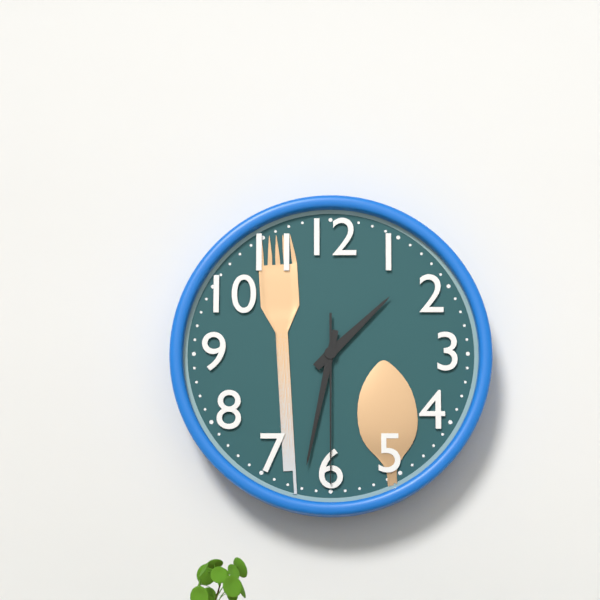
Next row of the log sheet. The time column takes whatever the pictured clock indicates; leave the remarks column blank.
1:32:30
